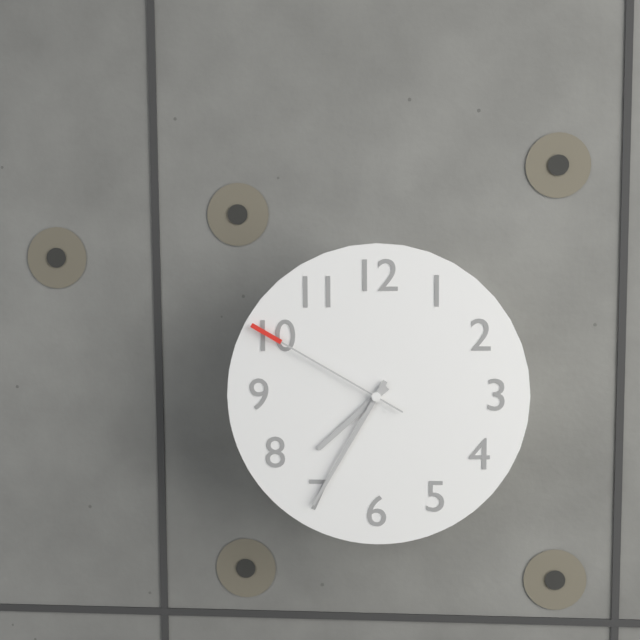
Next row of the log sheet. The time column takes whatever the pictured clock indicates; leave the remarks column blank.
7:35:50
